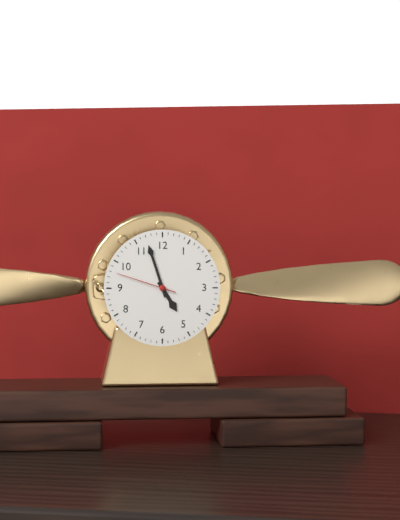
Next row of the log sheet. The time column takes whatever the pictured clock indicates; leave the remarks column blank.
4:57:48
